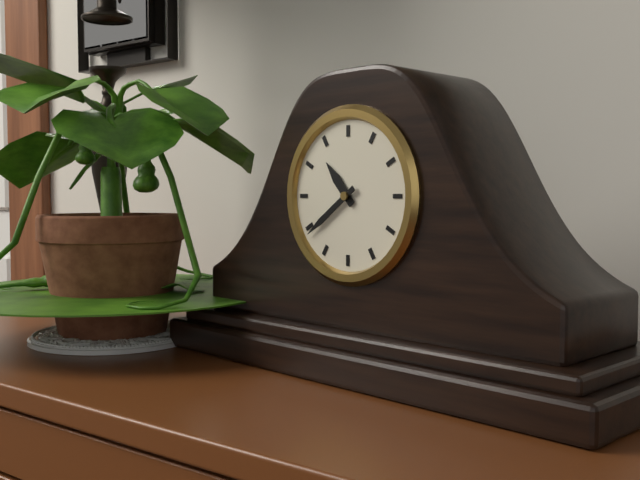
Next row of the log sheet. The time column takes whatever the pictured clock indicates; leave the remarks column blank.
10:39
